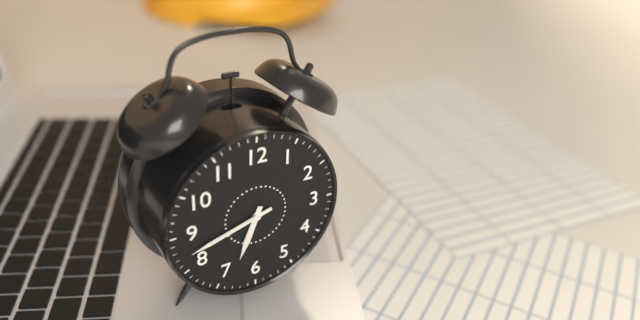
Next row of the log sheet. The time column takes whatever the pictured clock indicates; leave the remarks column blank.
6:42
